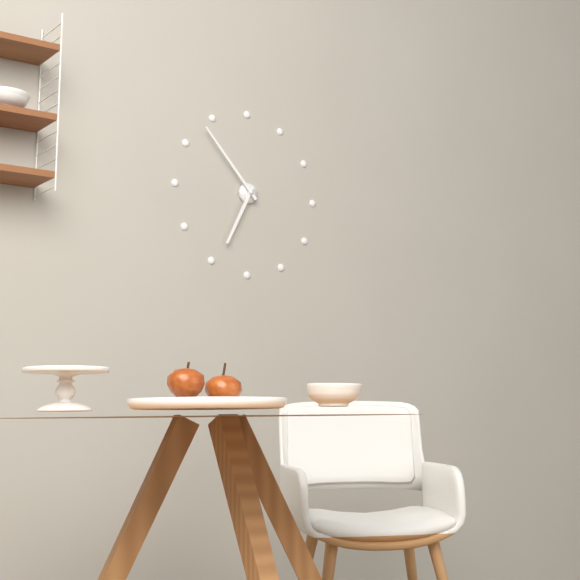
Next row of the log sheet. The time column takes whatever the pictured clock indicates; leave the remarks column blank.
6:53
